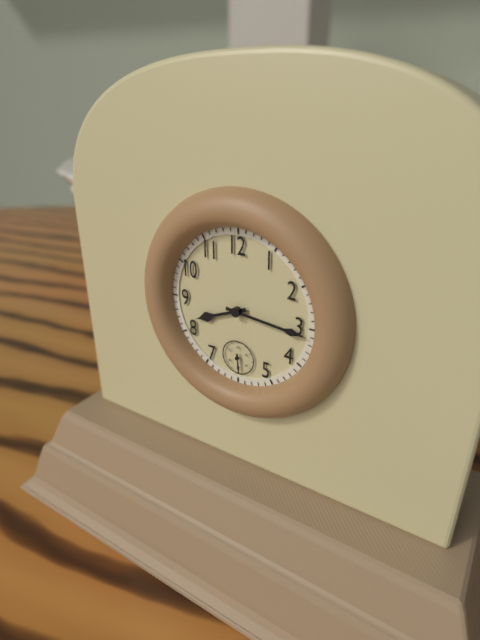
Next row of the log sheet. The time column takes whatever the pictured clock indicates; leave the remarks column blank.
8:16
